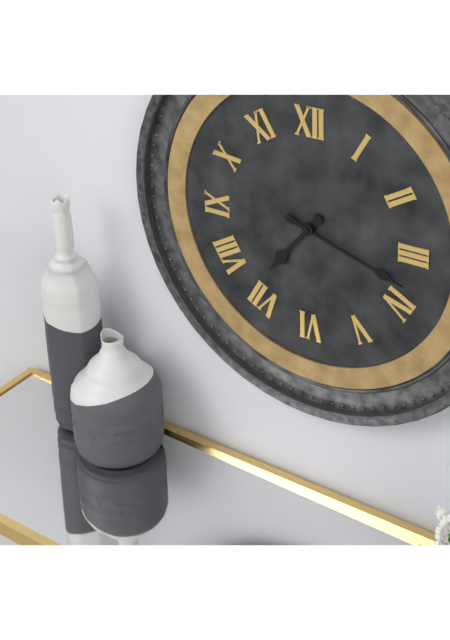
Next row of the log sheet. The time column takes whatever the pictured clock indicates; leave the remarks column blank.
7:18
